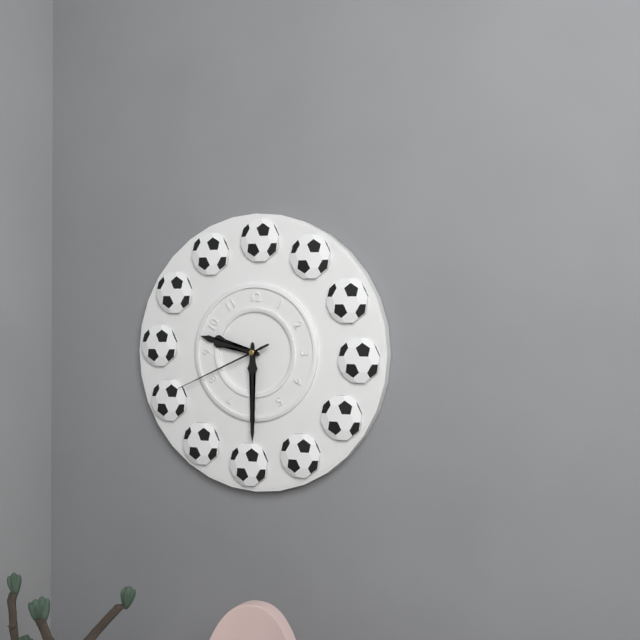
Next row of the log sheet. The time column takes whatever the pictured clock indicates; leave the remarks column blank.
9:30:41
